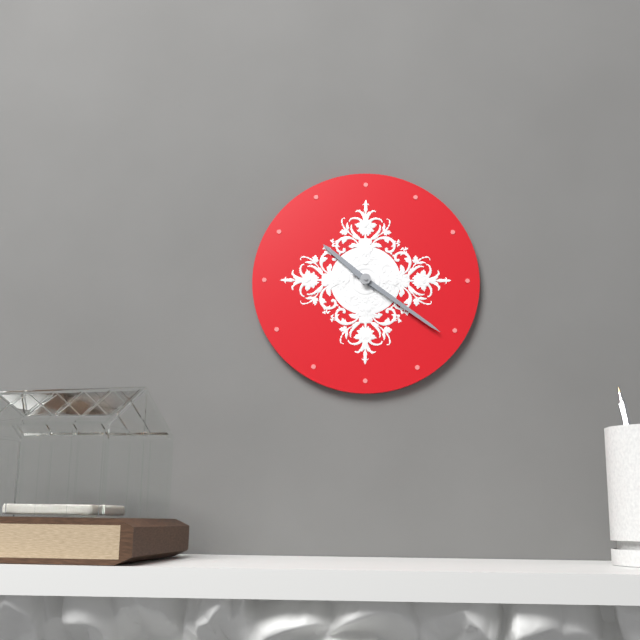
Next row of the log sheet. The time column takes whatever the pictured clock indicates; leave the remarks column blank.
10:21
